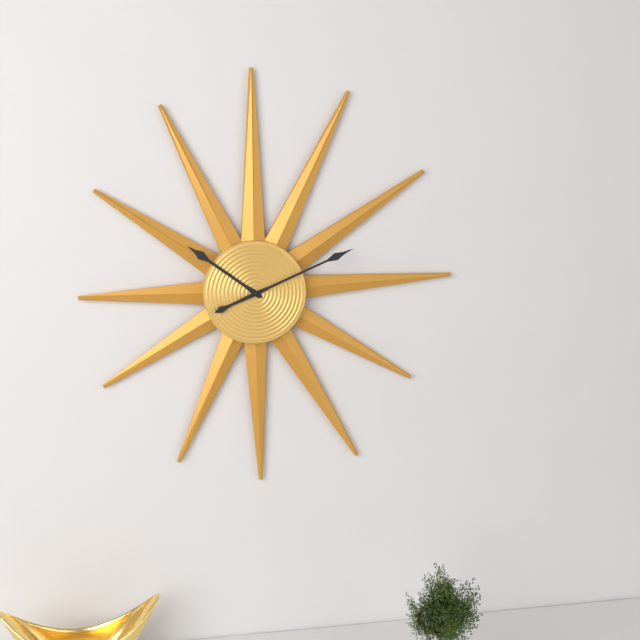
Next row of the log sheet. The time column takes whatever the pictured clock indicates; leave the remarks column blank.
10:11
